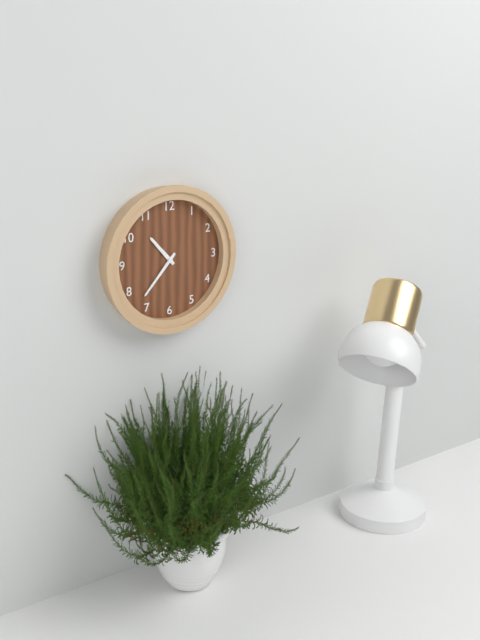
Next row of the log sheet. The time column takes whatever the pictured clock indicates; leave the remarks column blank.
10:37
